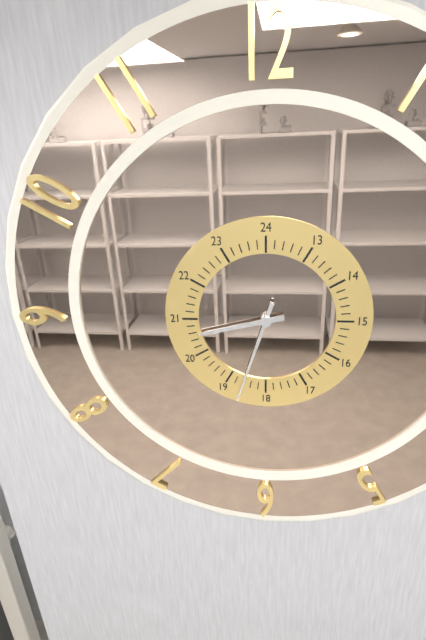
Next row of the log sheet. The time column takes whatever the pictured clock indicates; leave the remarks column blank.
8:33
